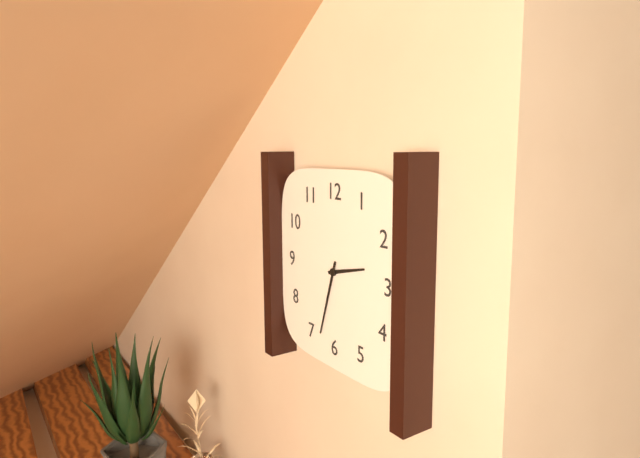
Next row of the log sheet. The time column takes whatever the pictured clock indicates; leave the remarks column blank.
2:33
